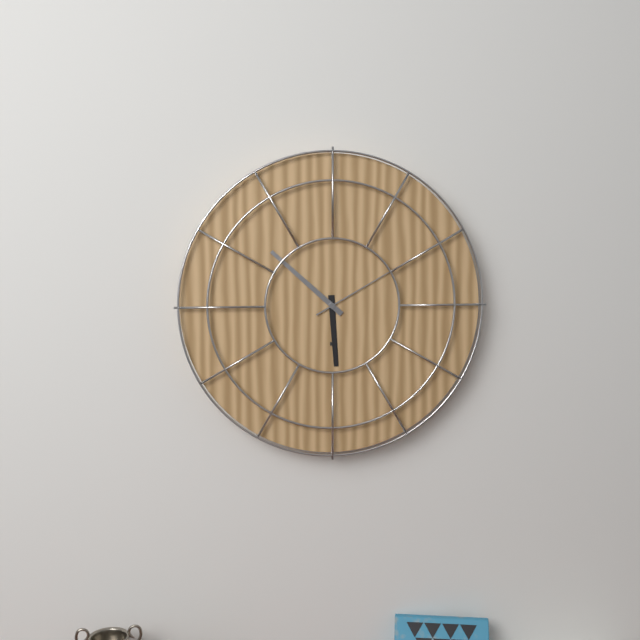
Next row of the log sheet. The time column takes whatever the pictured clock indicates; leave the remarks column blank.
5:52:10
